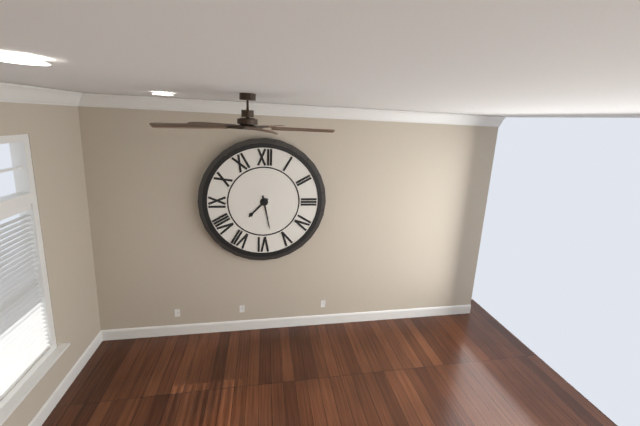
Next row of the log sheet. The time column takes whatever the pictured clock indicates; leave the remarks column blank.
7:28
